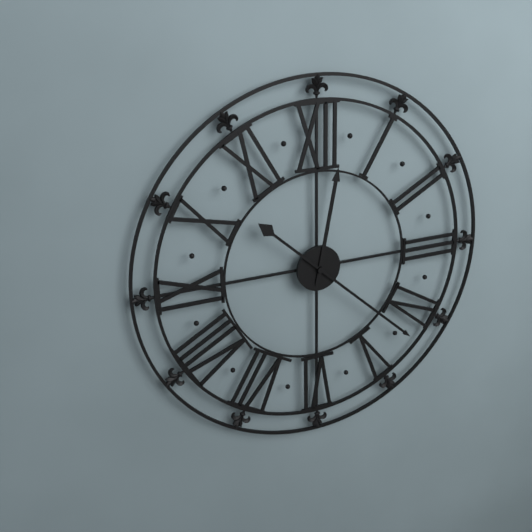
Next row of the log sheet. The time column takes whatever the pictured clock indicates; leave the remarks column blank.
12:22
